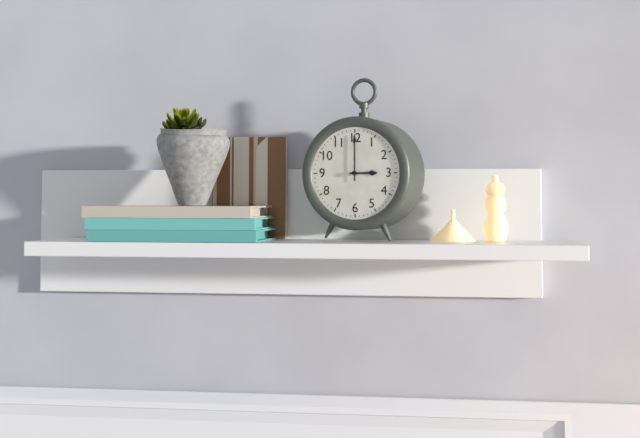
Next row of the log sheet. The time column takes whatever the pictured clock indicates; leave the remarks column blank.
3:00
